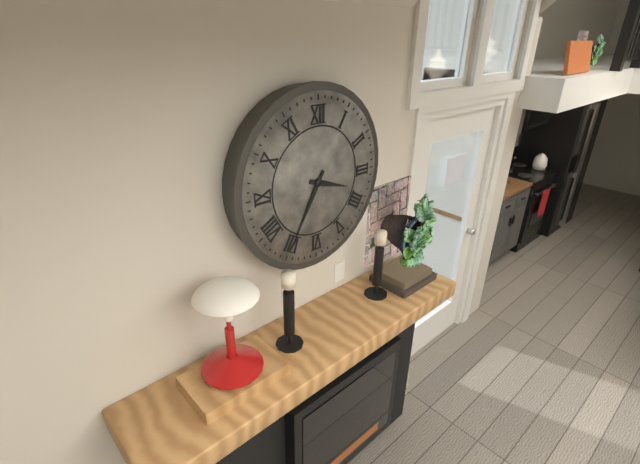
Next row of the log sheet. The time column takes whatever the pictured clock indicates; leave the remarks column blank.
3:35
